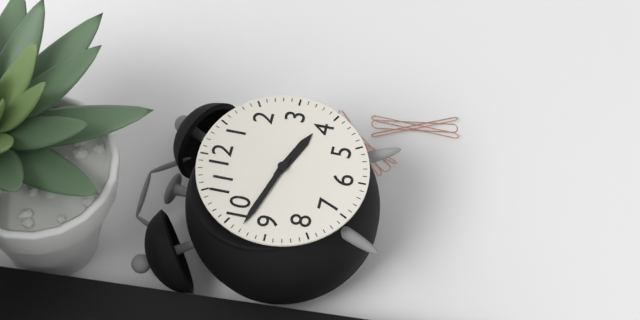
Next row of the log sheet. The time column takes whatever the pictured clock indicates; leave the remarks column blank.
3:48
